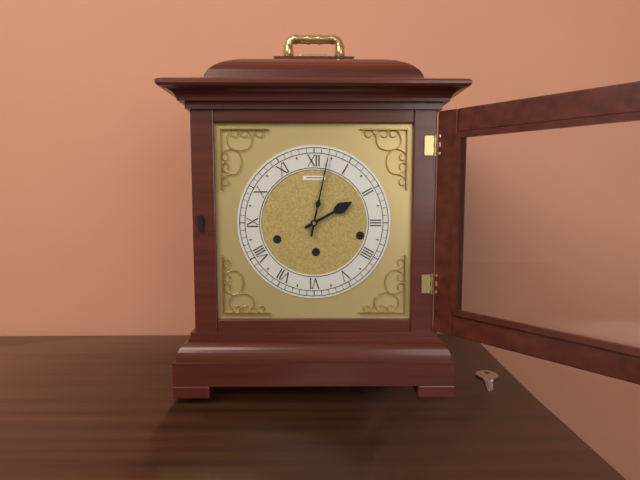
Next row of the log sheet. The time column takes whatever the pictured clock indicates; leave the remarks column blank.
2:02
